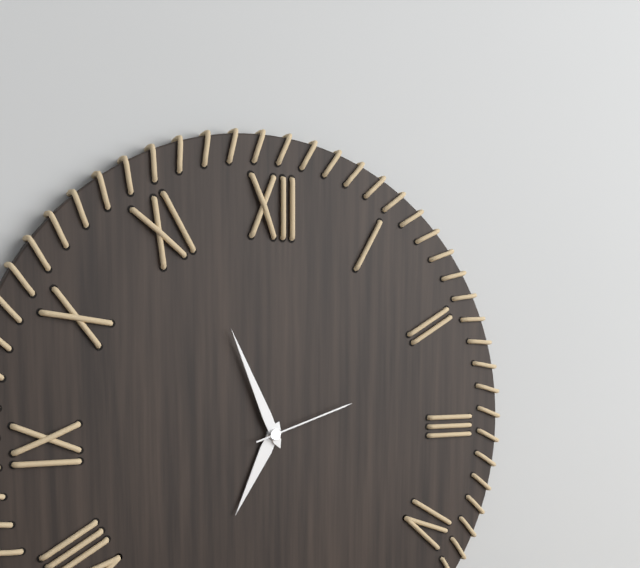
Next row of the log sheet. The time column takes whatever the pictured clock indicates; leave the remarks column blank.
6:56:12
